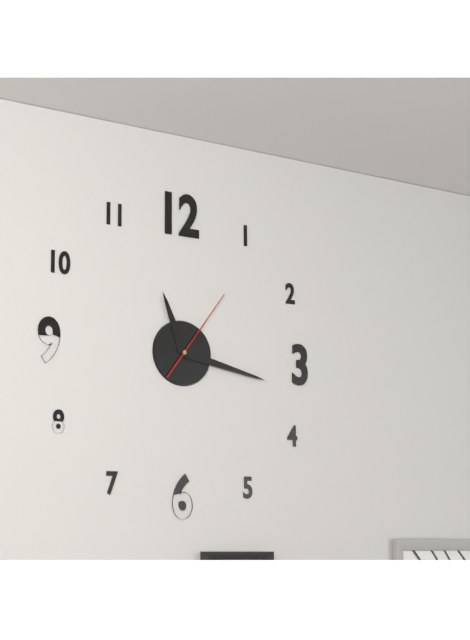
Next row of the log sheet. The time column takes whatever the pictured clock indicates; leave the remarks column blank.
11:17:06
